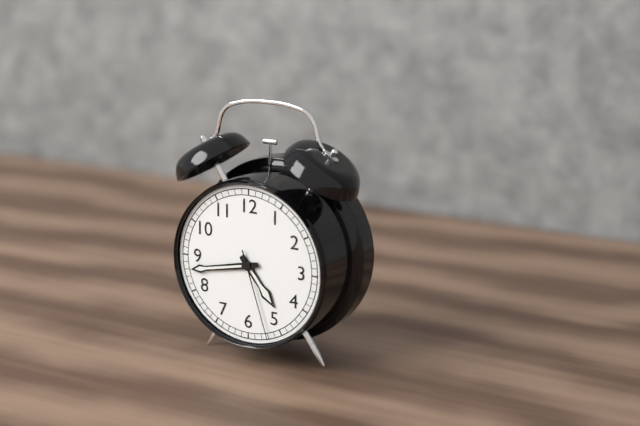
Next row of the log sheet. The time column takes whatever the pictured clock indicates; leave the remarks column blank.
4:43:27
